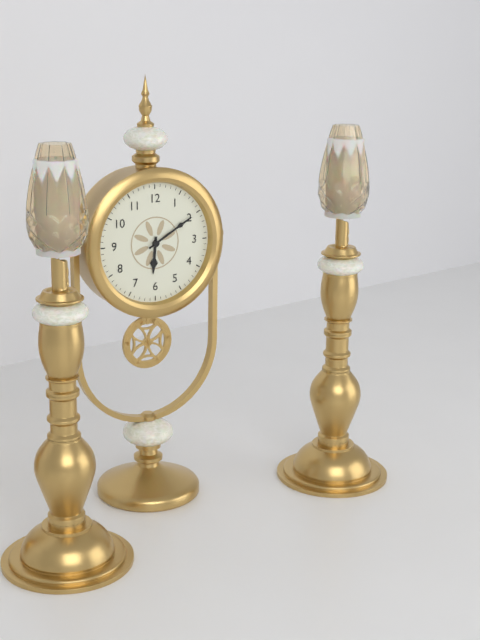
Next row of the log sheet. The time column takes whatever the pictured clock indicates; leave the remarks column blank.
6:10
